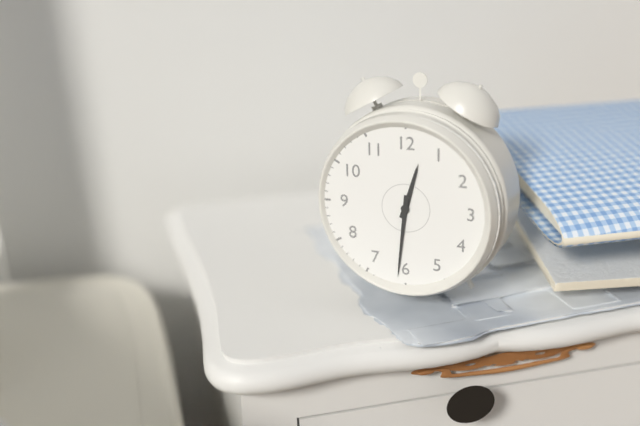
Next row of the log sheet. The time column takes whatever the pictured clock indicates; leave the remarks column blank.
12:31
